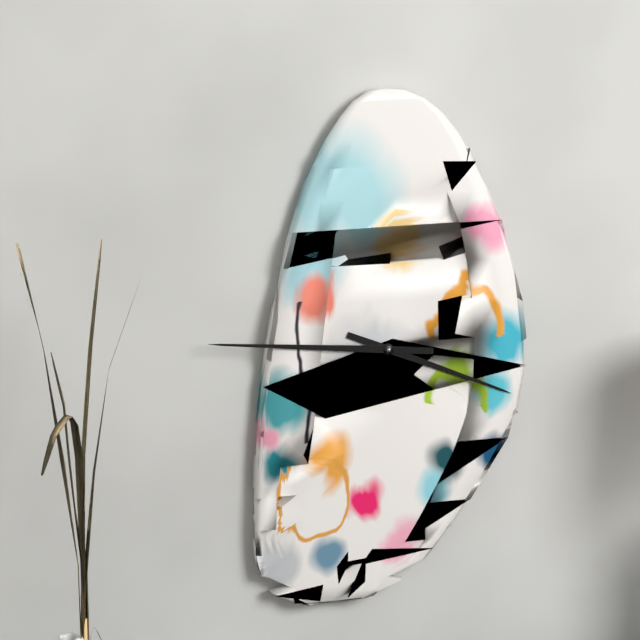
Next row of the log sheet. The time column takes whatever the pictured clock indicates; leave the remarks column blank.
3:46
